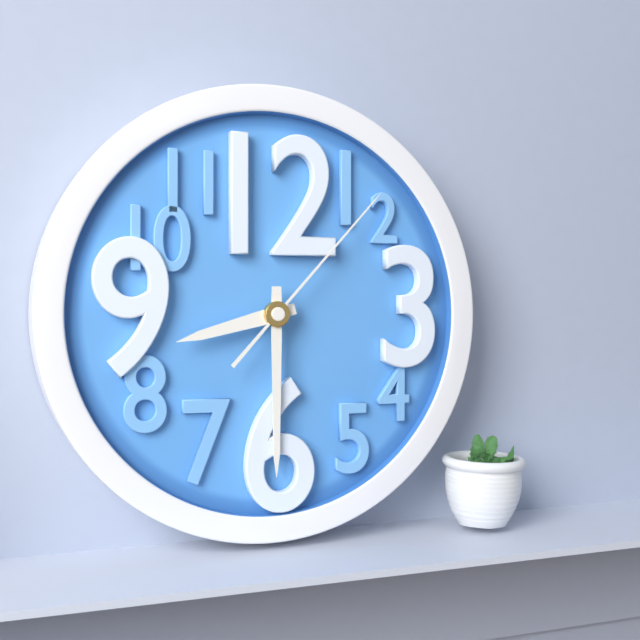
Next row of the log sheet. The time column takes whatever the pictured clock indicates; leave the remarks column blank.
8:30:07
